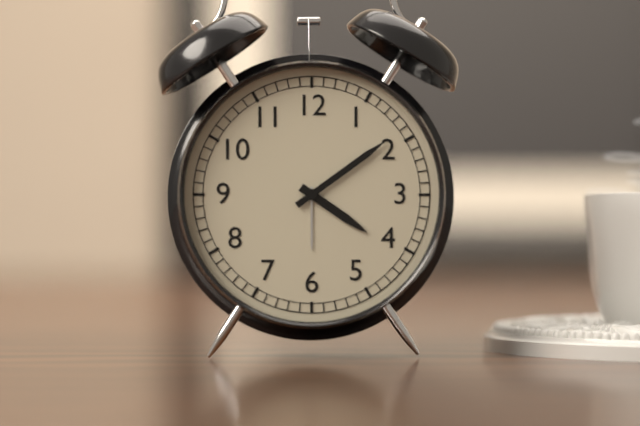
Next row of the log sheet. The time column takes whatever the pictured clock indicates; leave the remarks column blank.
4:09
